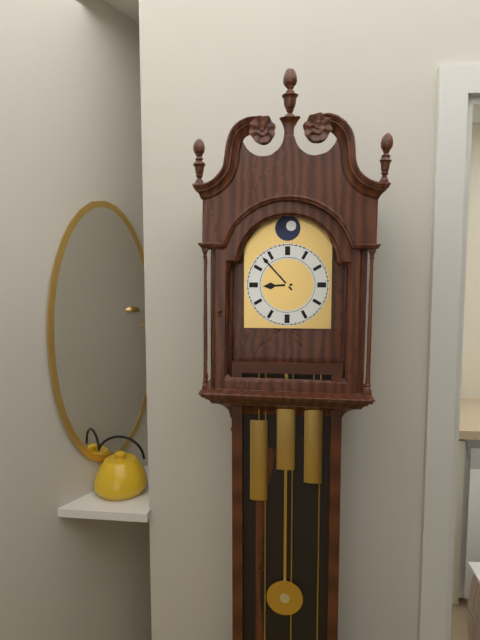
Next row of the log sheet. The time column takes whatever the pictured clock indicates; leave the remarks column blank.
8:53
